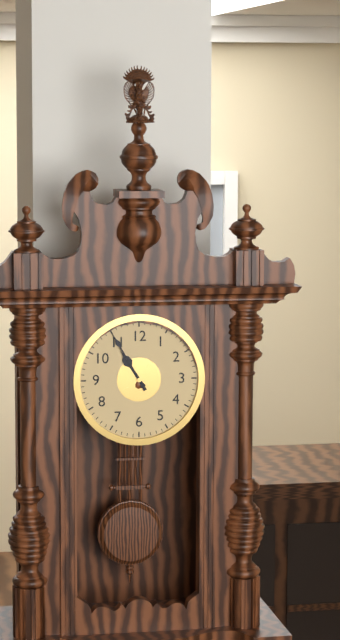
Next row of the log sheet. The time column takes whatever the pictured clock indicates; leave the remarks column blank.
10:55
